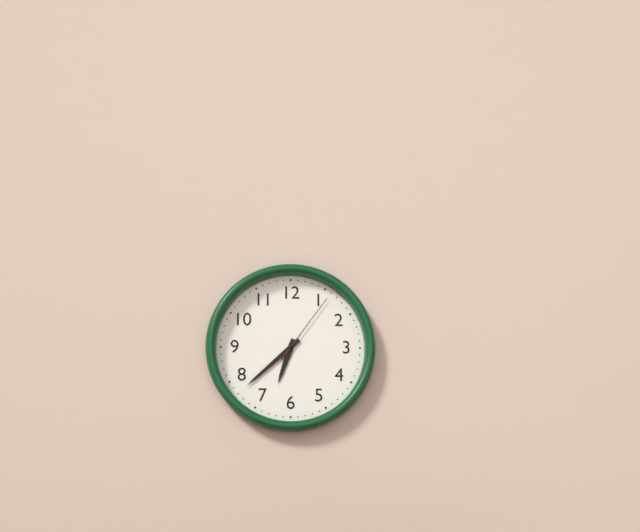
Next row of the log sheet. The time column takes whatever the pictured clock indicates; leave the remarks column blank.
6:38:06
